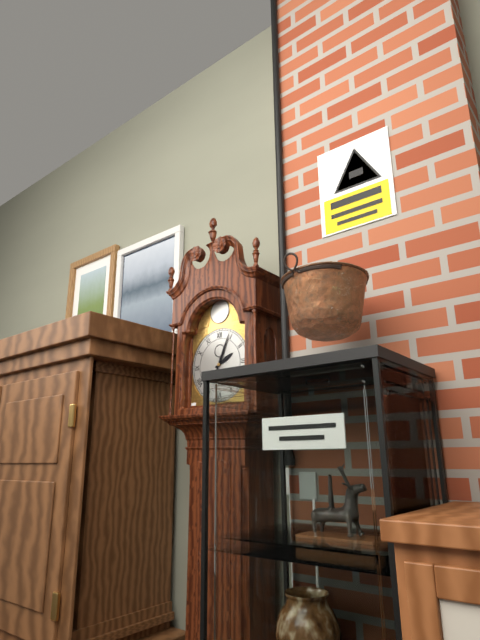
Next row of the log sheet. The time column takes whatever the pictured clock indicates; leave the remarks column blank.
2:04
